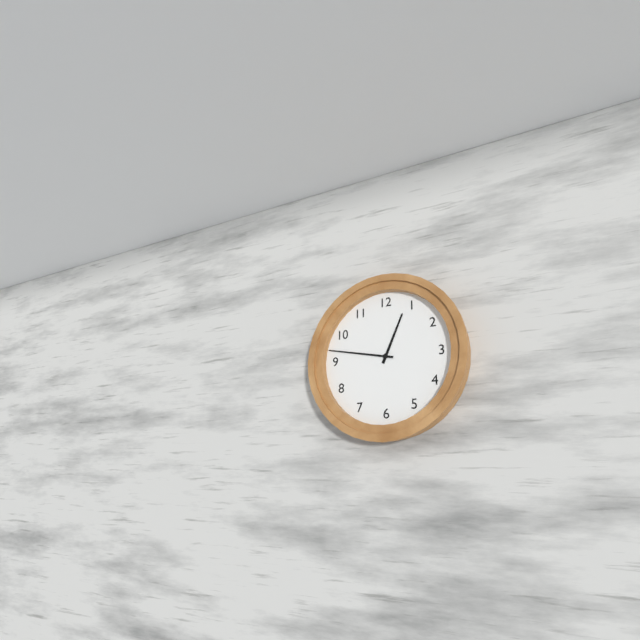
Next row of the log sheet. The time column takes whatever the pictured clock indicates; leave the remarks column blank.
12:47
